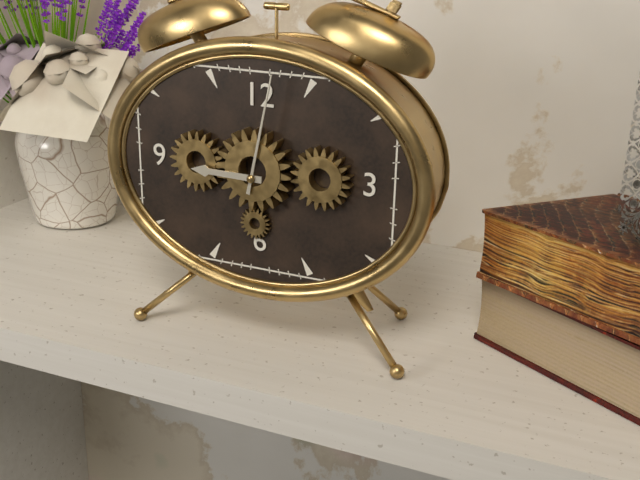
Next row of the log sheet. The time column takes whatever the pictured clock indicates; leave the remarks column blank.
9:02
